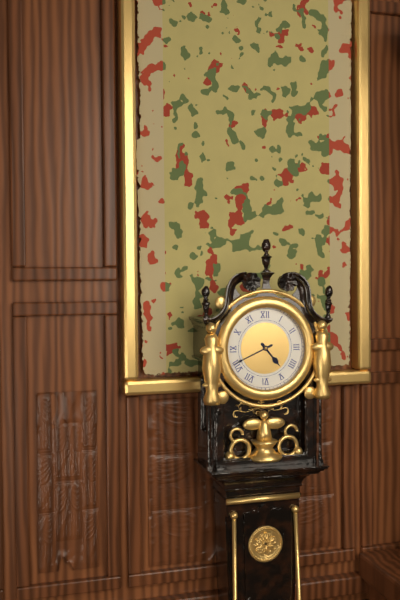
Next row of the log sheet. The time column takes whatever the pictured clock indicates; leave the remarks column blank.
4:41
